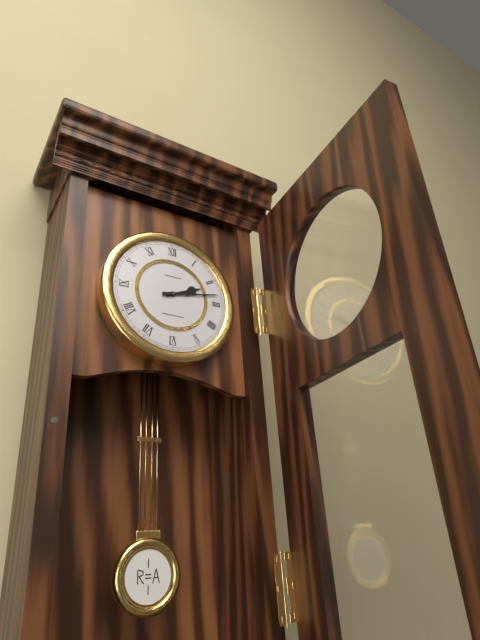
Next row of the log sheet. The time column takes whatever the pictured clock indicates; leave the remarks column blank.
2:13
